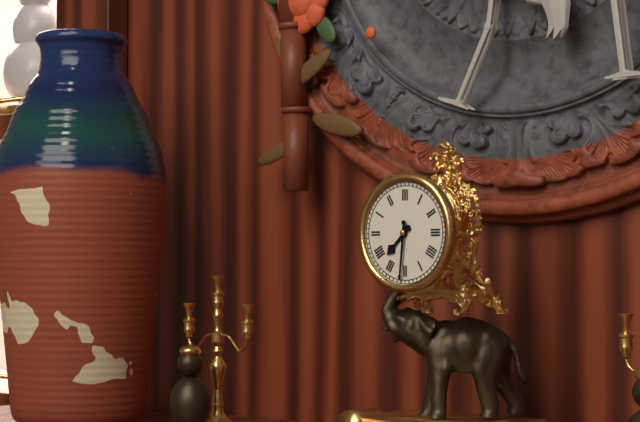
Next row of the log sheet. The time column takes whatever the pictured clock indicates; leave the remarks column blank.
7:31
